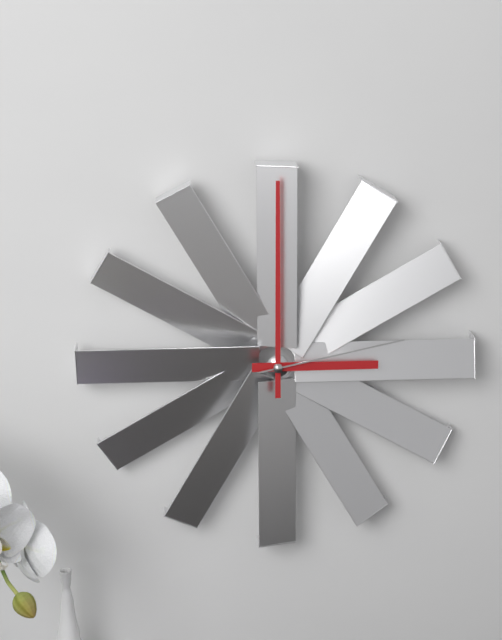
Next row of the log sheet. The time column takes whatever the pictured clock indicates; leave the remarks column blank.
3:00:13
